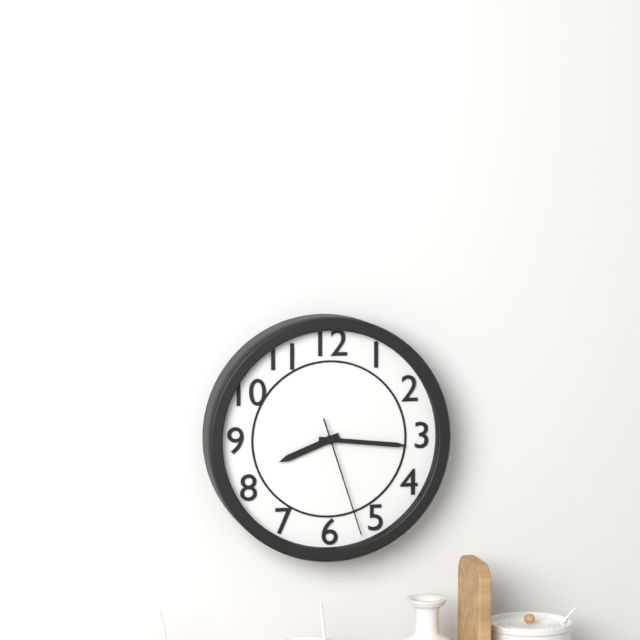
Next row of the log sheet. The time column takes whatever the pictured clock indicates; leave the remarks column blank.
8:16:27
